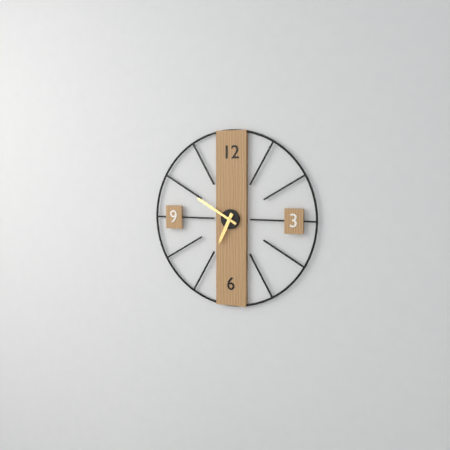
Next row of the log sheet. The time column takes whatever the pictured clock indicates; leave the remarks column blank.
6:50
